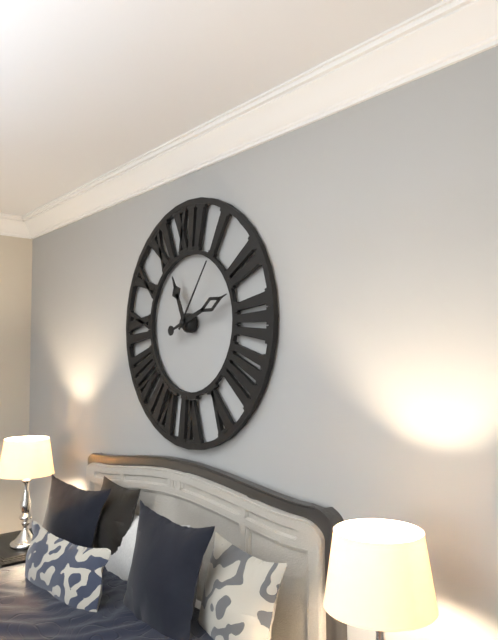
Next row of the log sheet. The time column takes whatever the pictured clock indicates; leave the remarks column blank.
11:12:06
